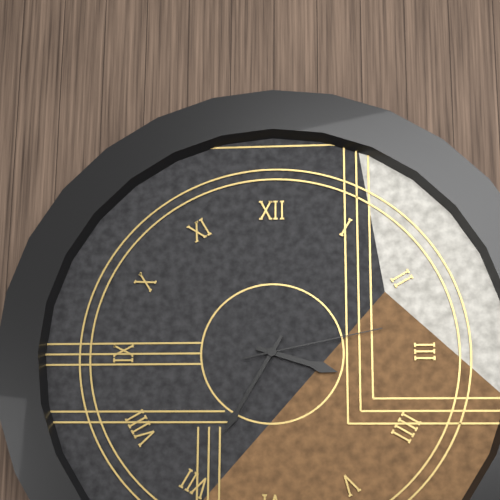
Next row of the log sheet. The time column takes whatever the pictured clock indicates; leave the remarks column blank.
3:35:13
